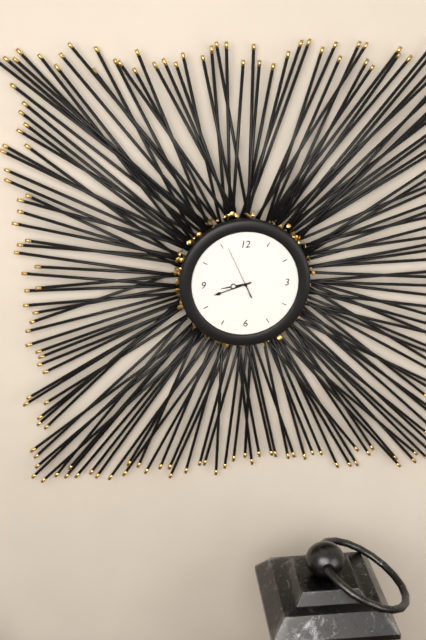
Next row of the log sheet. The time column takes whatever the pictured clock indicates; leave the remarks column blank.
8:42:56
